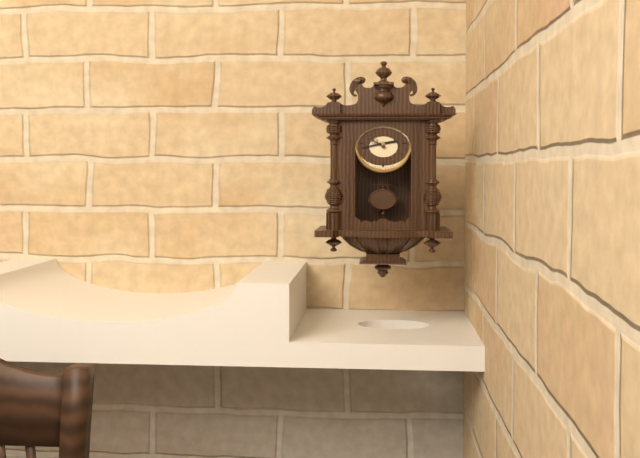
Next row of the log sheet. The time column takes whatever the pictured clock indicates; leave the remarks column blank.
2:43
